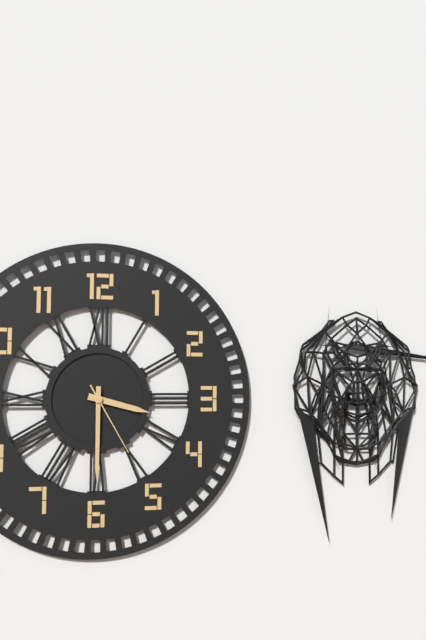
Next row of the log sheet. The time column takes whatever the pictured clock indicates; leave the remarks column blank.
3:30:25
